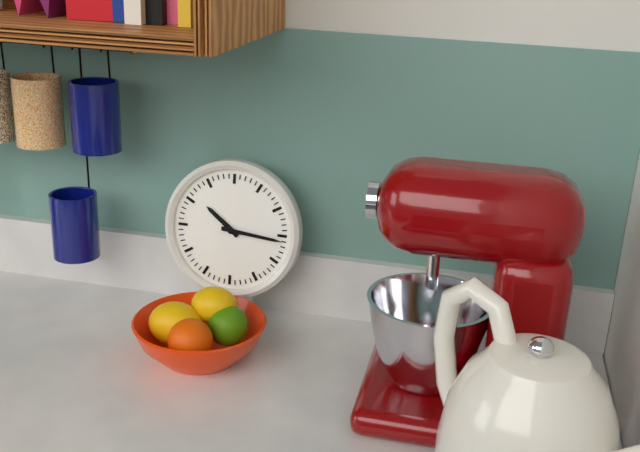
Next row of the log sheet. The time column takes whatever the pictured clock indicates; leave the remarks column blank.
10:16
